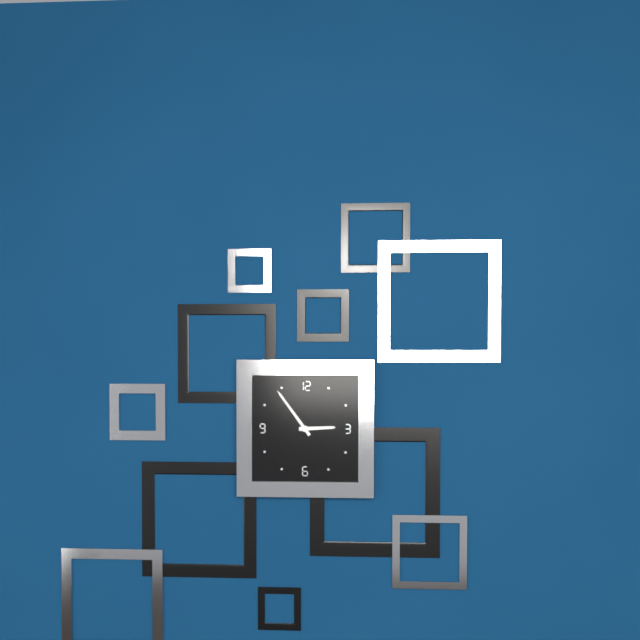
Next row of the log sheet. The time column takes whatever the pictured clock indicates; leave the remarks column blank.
2:54
